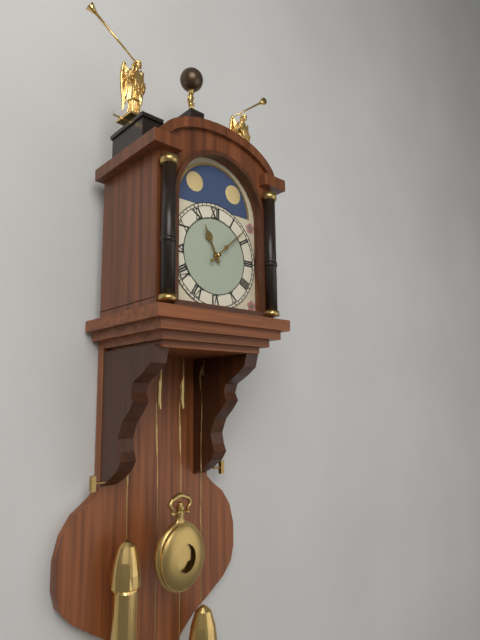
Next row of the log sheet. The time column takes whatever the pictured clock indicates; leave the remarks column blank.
11:08
